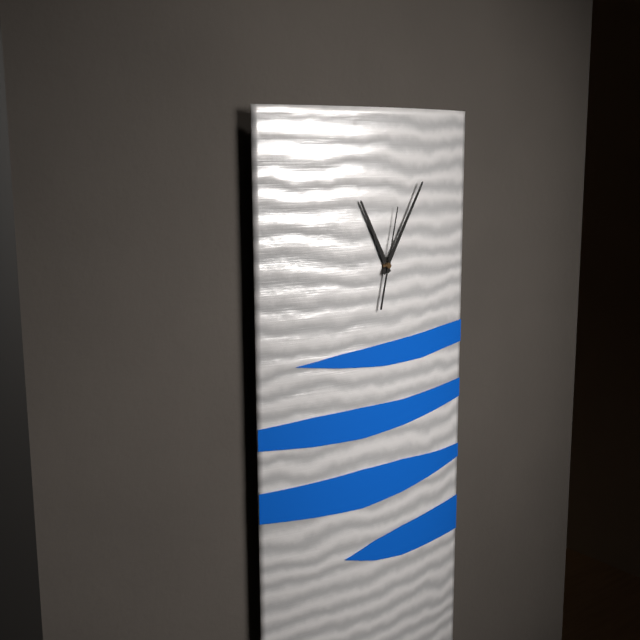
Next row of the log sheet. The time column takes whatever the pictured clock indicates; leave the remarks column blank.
11:05:02
